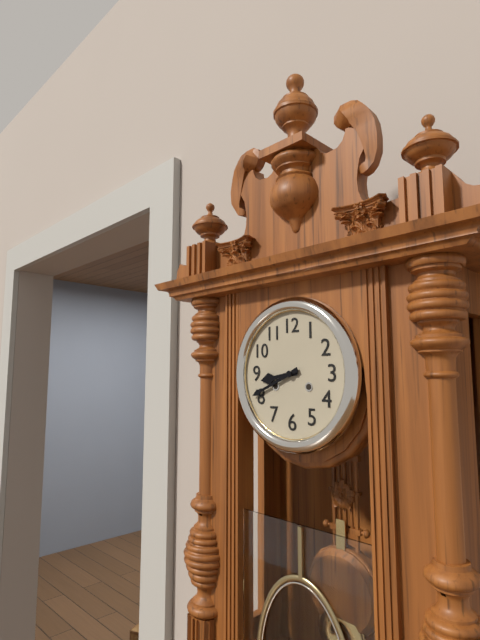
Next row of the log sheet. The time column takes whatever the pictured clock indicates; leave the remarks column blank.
8:41
